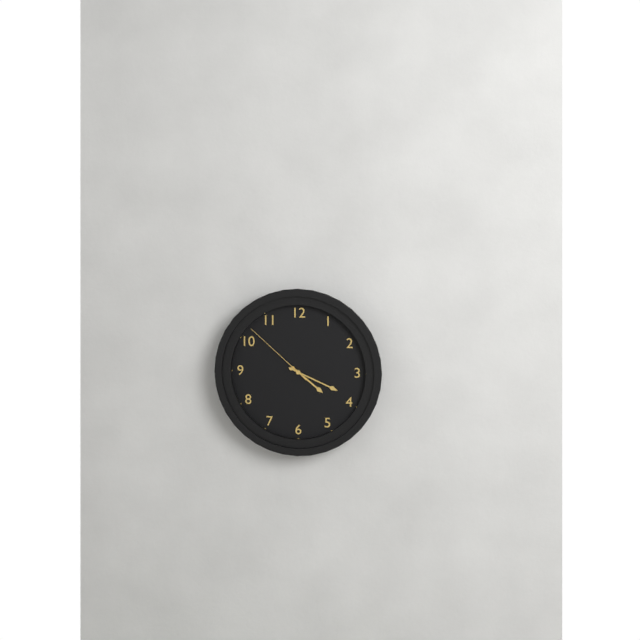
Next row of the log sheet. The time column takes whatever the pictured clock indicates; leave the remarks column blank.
4:19:52
